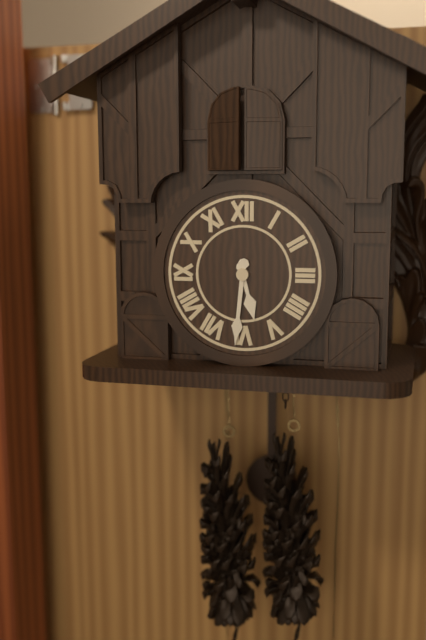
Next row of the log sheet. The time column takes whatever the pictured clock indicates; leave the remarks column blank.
5:31
